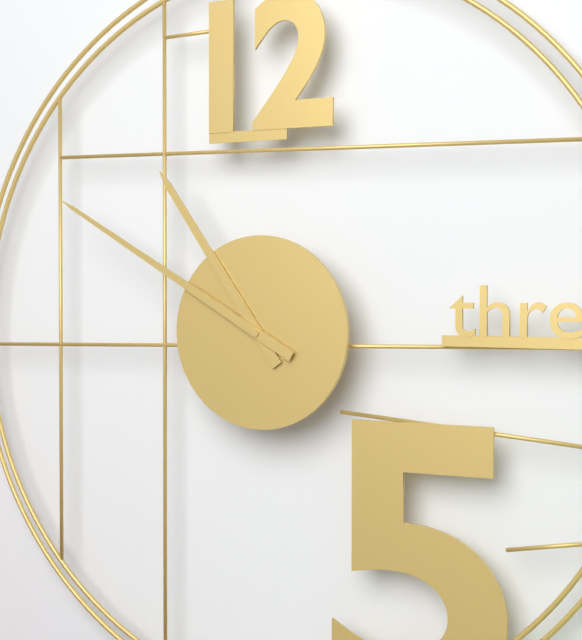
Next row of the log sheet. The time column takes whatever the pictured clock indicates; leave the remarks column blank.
10:50
